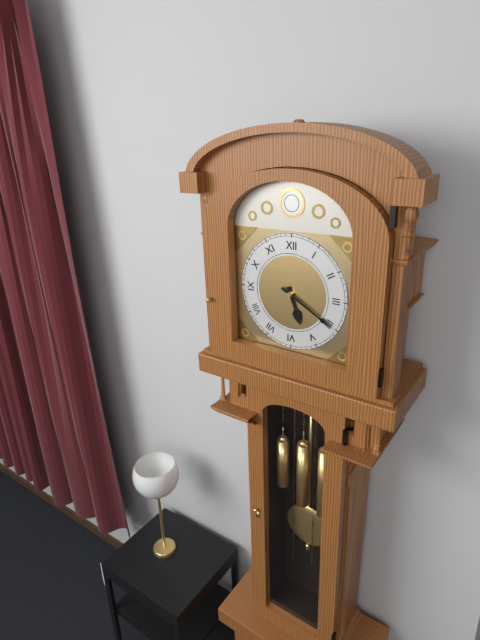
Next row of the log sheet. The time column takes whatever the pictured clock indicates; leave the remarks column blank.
5:20
